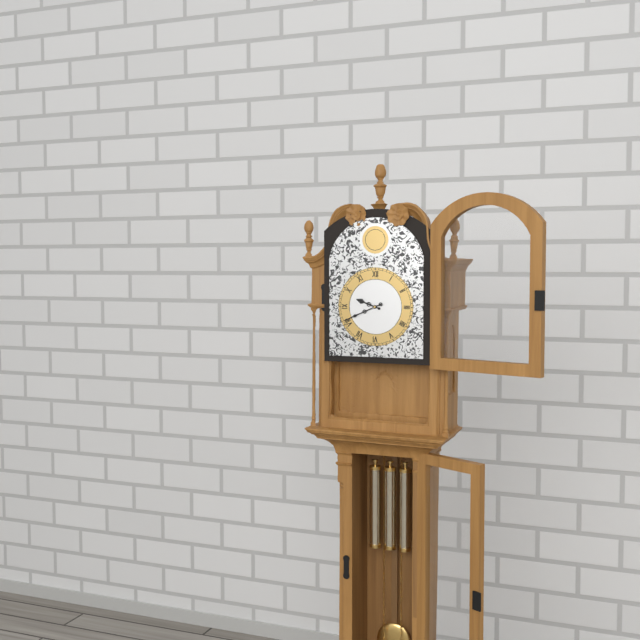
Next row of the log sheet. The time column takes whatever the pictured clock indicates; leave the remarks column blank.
9:41
